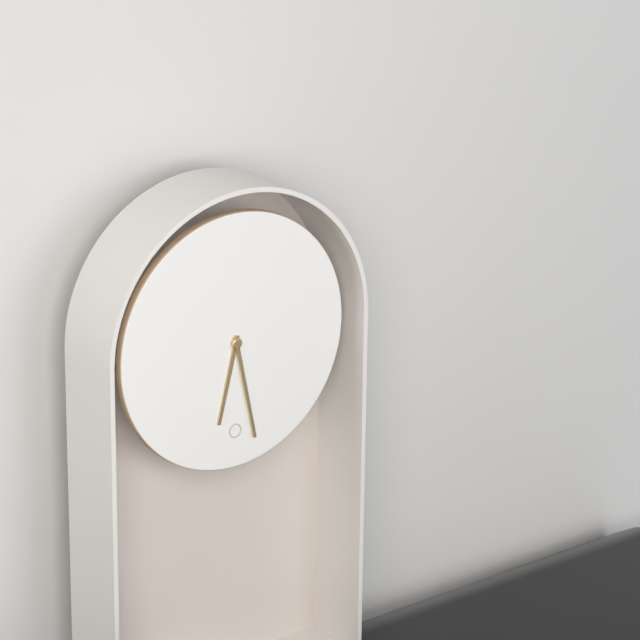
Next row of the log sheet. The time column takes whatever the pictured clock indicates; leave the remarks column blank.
6:28
